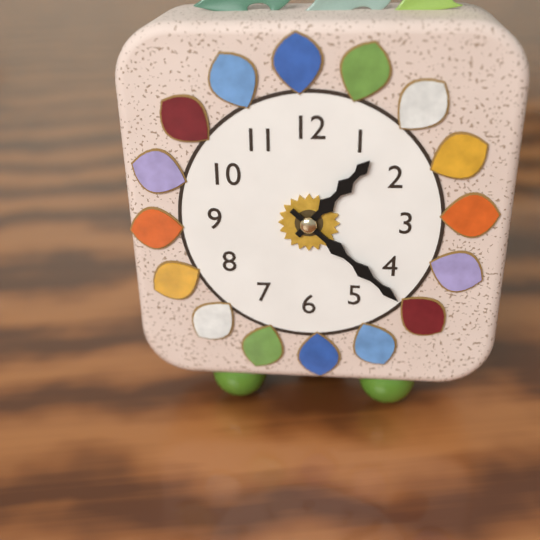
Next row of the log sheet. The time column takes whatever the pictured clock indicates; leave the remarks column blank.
1:22
